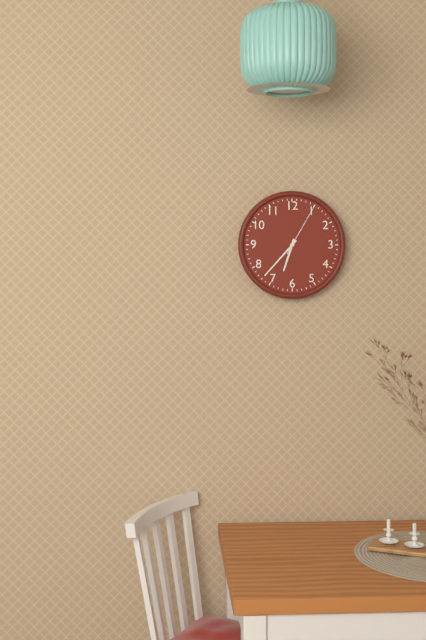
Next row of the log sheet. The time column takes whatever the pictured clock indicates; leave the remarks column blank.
6:37:05
